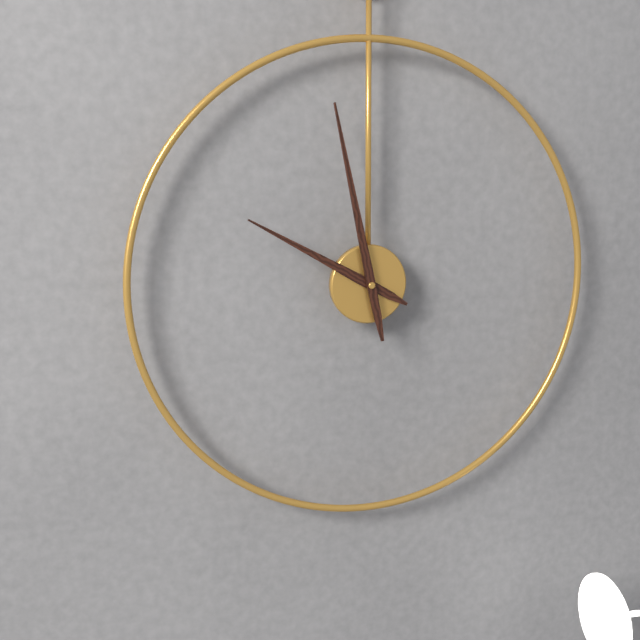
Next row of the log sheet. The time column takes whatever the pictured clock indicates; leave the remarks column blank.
9:58
